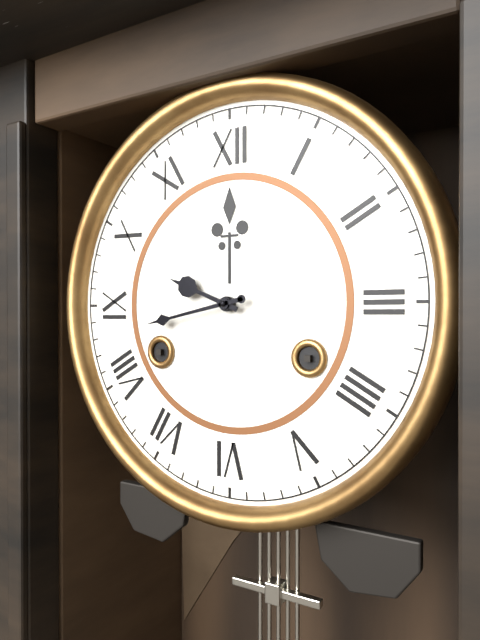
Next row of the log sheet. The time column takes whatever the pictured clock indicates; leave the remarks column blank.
9:43
